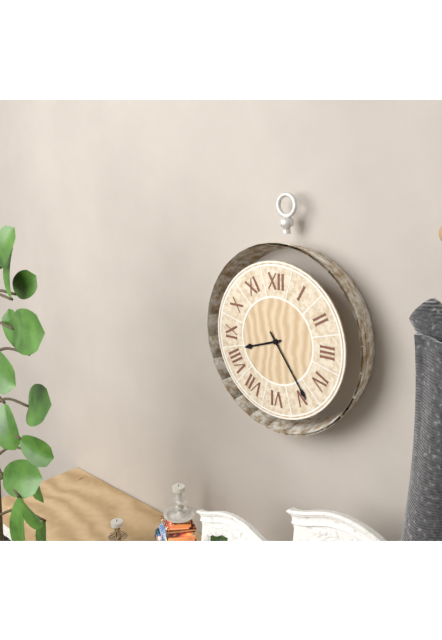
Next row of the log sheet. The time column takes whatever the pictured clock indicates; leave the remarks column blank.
8:24
